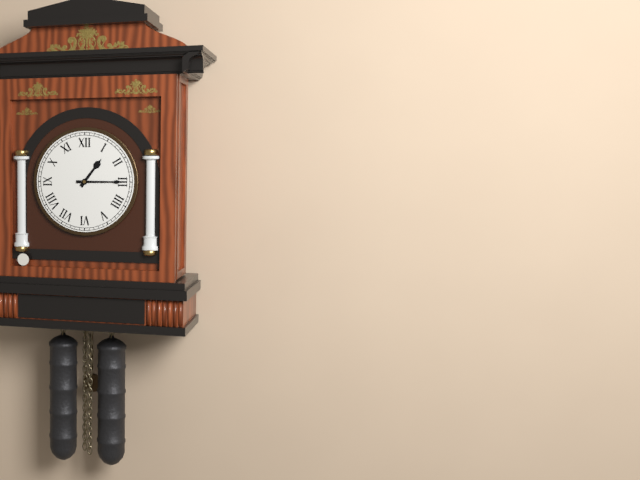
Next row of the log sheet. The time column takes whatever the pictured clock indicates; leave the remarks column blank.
1:15
